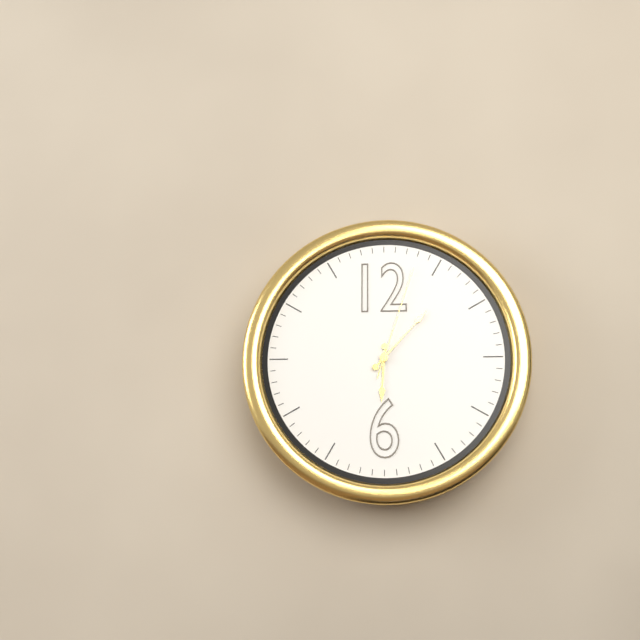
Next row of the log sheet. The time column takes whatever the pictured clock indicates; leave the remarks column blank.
6:07:03
